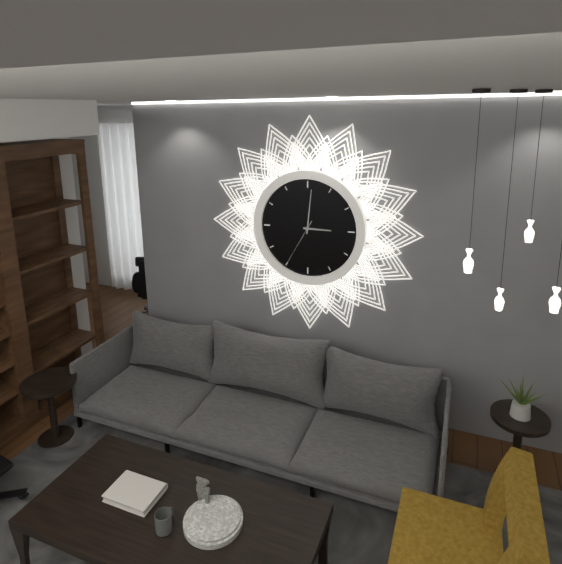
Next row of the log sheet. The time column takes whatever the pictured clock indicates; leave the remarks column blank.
3:01
